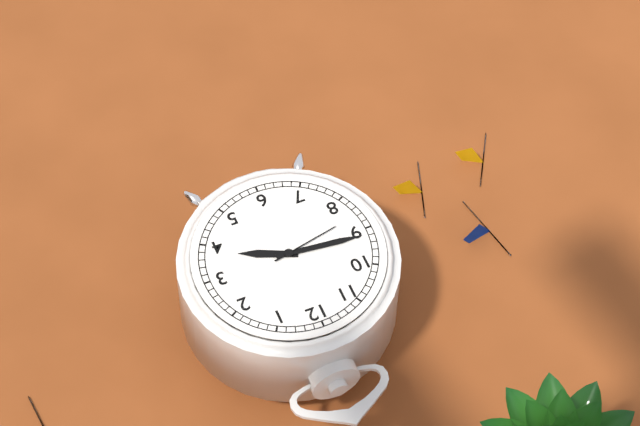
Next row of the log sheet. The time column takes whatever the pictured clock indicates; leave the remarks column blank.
3:46:43
